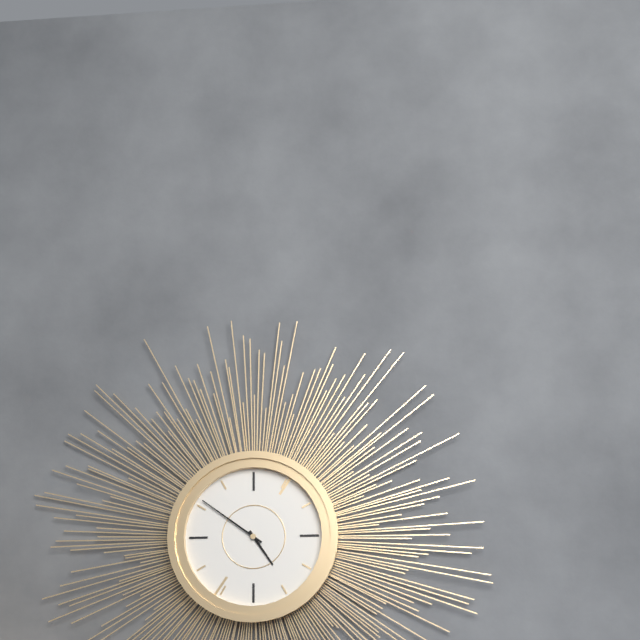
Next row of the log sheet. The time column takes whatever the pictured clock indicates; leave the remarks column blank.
4:51
